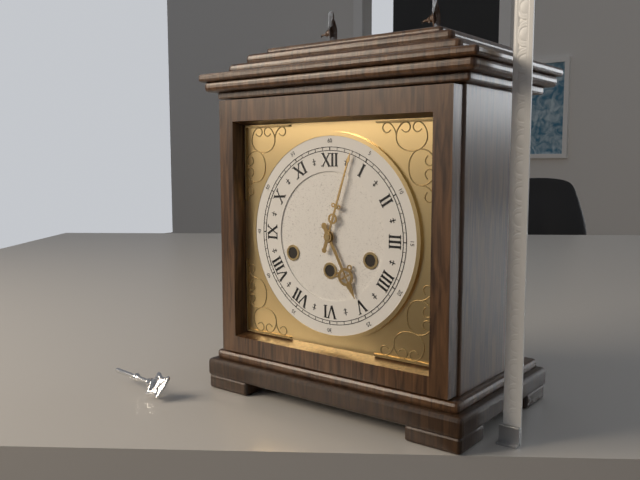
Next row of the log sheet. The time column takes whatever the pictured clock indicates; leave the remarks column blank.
5:03
